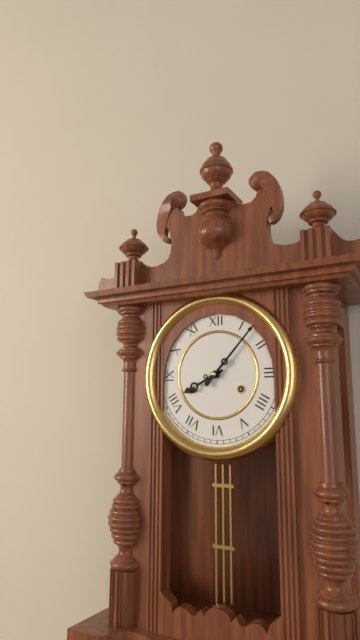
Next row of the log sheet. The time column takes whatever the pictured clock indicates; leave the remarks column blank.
8:07
